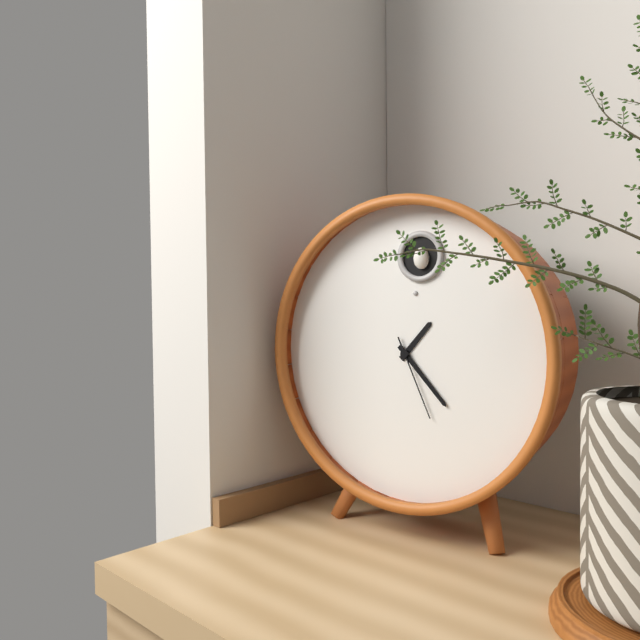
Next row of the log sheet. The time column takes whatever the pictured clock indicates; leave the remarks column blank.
1:23:26
